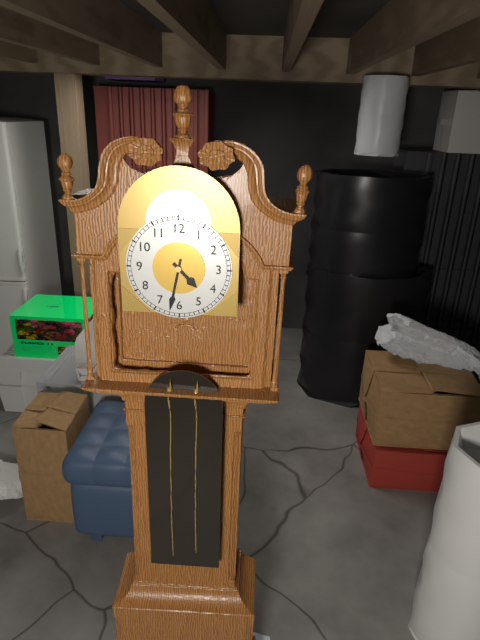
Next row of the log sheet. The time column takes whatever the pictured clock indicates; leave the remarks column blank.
4:32
